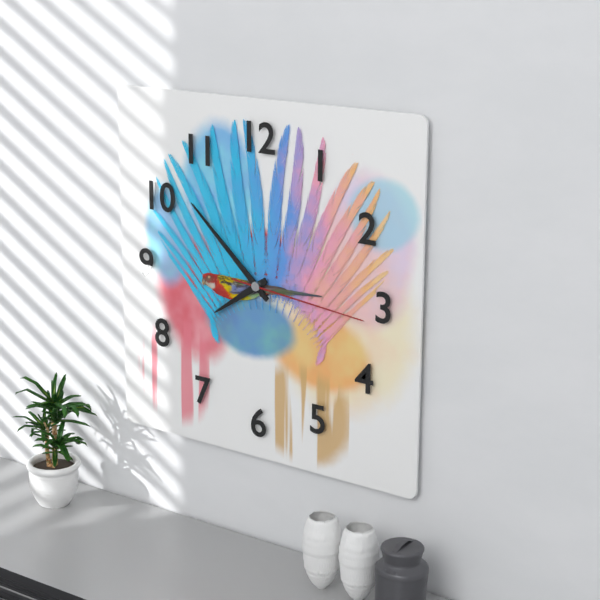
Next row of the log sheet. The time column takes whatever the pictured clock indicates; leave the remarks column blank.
7:52:16
